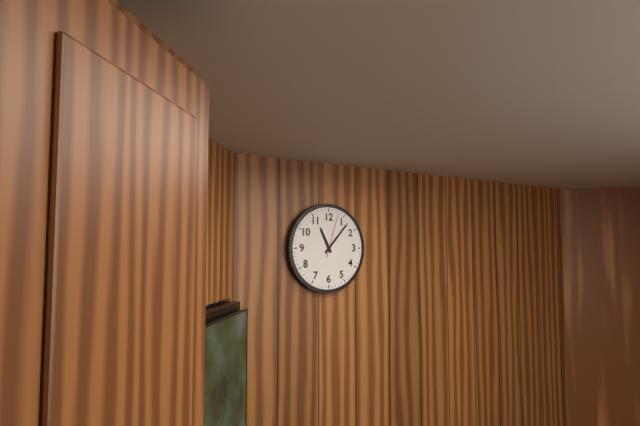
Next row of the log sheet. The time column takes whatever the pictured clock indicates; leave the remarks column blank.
11:07
